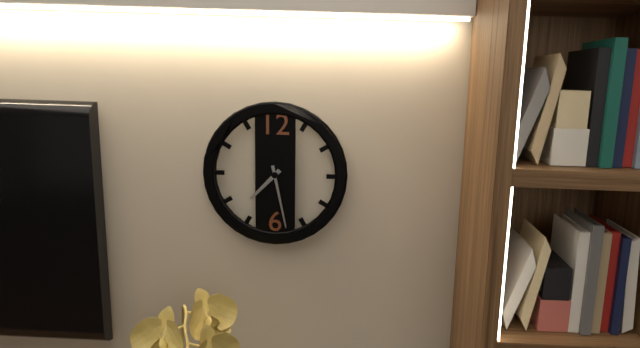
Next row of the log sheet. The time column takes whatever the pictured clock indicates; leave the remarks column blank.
7:28
